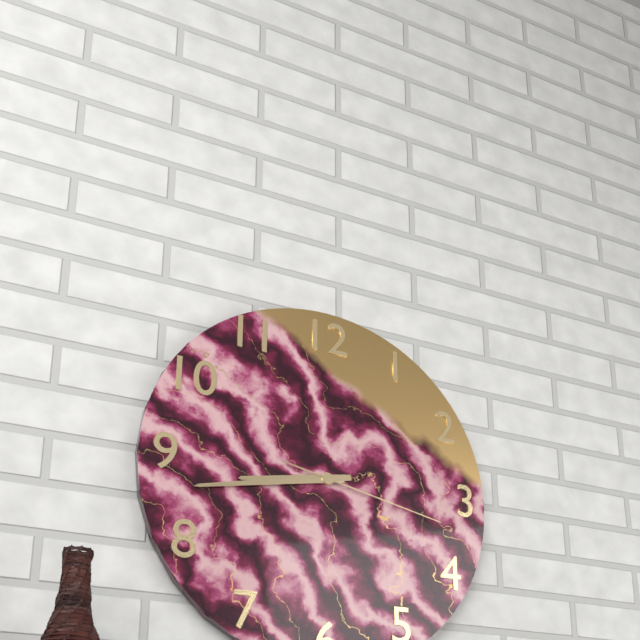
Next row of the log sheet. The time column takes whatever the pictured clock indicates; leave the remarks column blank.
8:43:17
